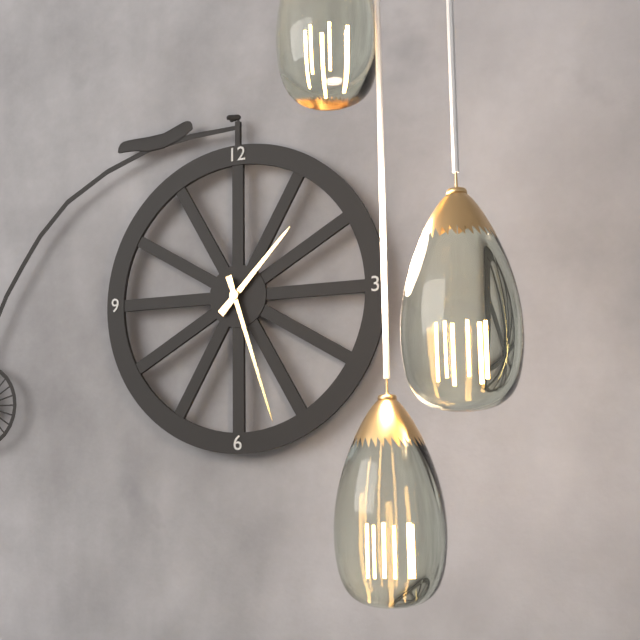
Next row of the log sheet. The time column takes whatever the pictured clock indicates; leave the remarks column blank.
1:27
